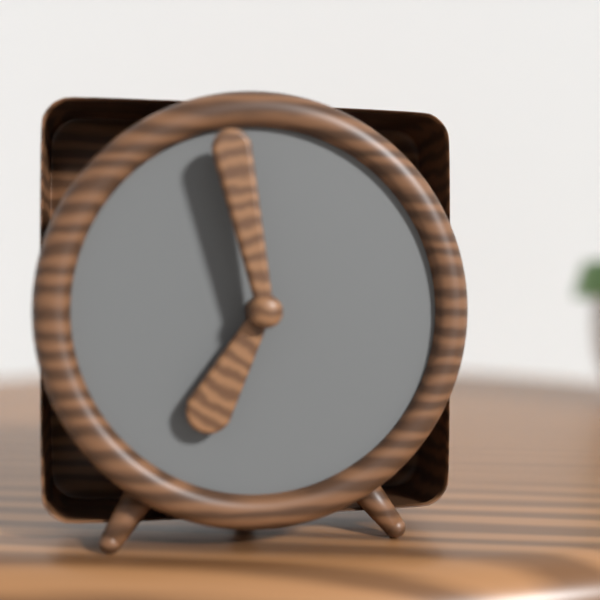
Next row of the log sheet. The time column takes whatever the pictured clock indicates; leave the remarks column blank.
6:58
